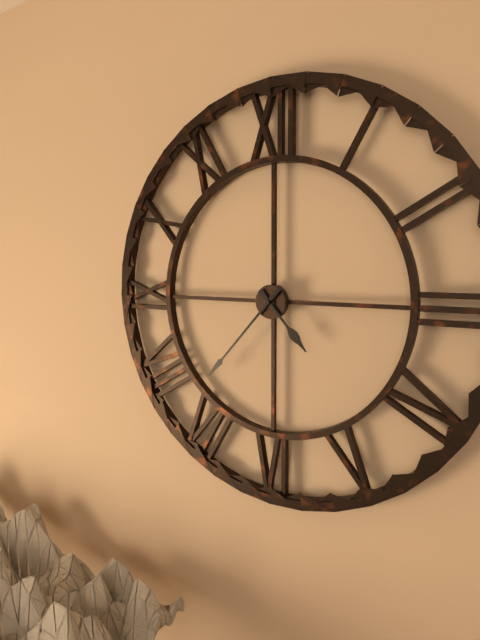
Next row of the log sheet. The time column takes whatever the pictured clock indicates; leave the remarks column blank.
4:37
